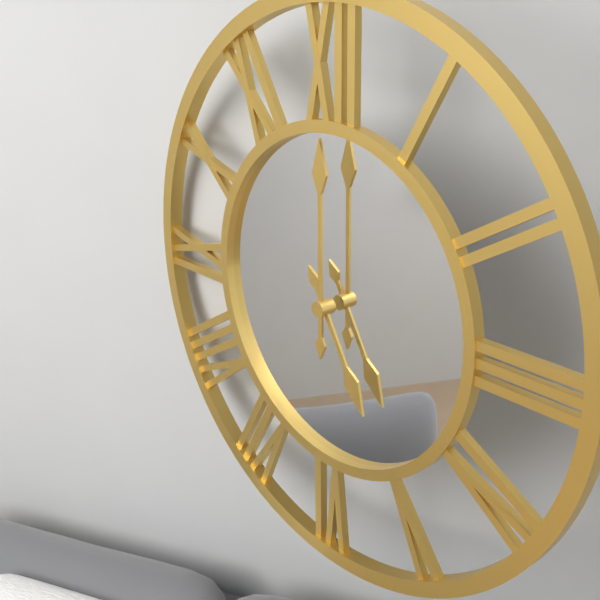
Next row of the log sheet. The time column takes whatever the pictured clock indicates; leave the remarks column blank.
5:00
